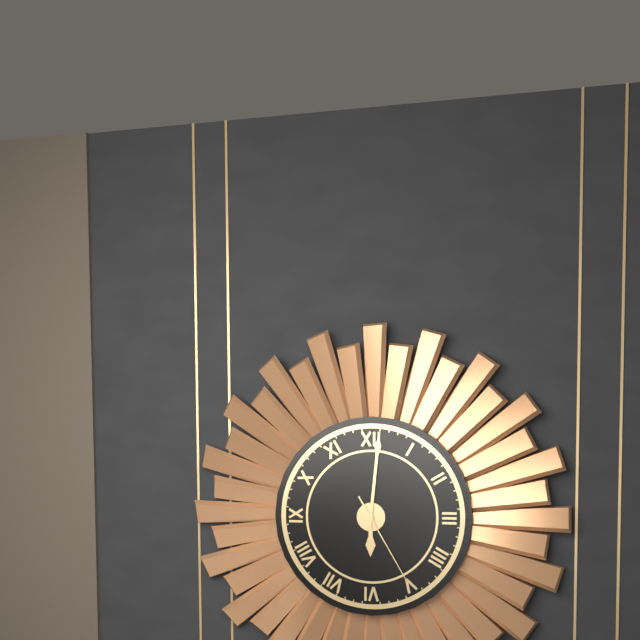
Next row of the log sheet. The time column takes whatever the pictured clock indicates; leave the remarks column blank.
6:01:25
